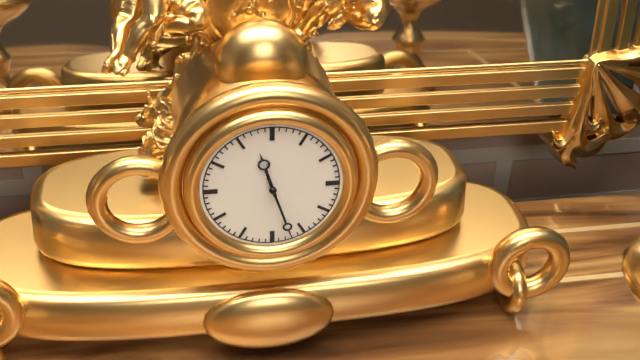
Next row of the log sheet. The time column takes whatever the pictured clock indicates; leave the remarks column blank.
11:27
